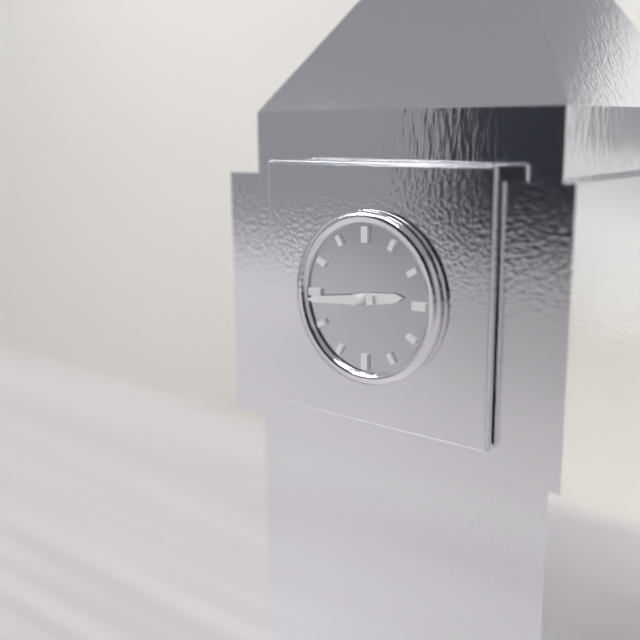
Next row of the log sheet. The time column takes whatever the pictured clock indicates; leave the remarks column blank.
2:44
